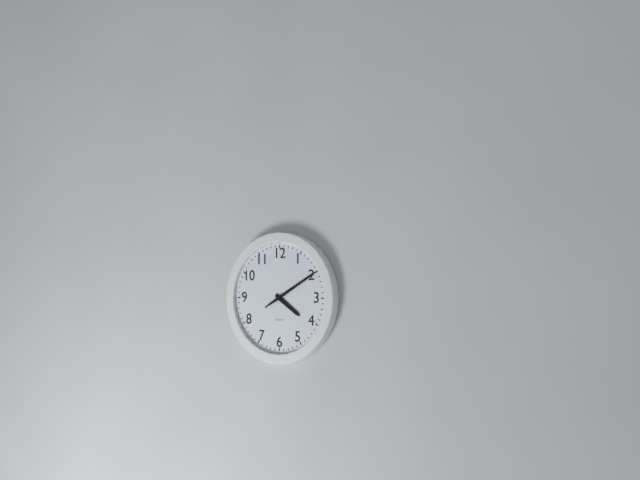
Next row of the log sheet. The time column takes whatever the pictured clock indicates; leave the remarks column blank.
4:10
